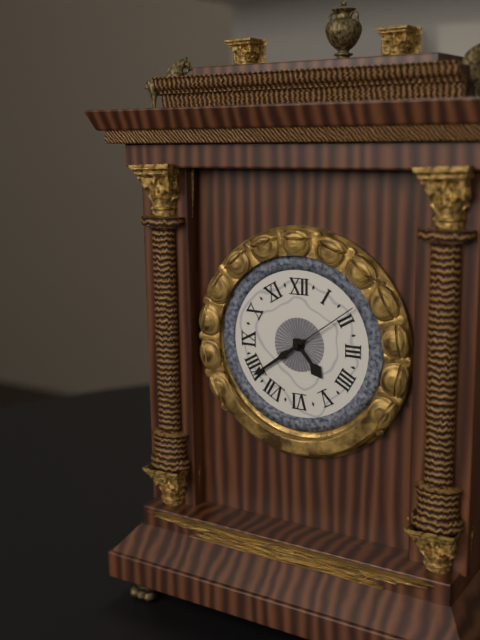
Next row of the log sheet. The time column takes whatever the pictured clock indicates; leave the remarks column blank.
4:39:09
